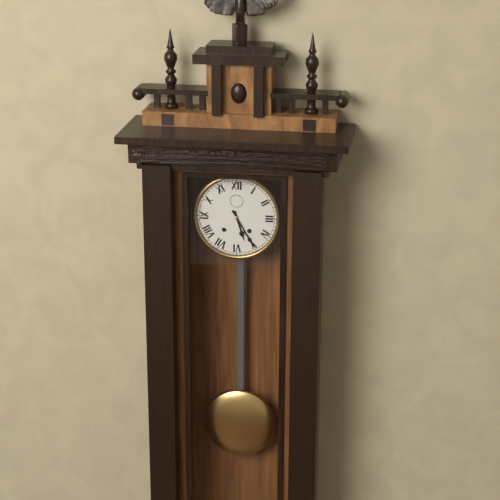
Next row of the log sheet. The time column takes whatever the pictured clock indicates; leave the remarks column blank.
5:25
